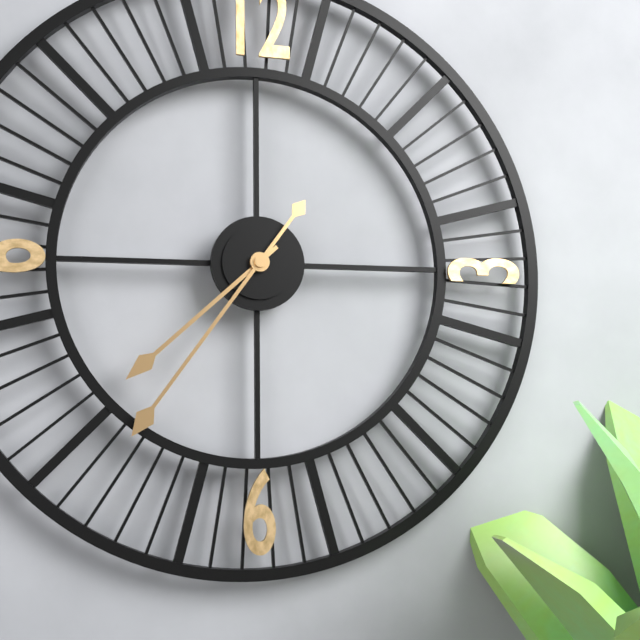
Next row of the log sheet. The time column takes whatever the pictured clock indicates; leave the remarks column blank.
7:36
